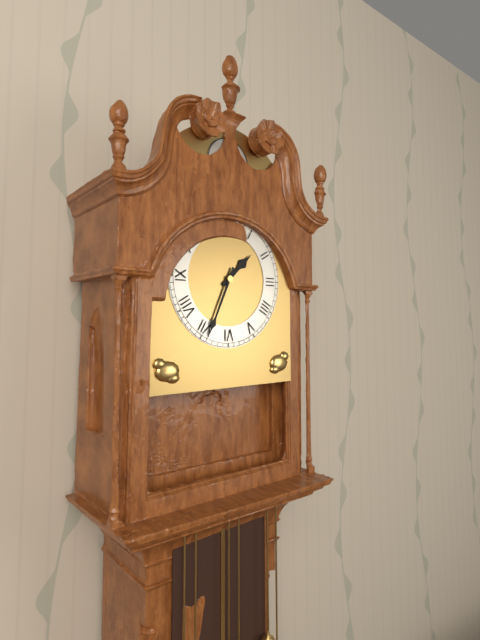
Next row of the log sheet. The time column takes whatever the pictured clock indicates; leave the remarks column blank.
1:34
